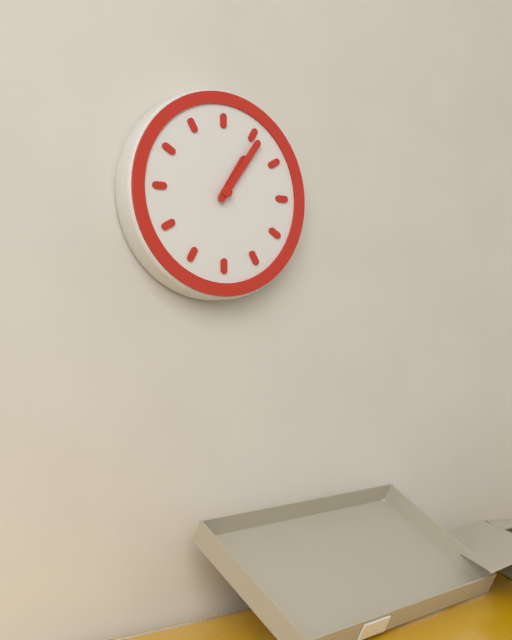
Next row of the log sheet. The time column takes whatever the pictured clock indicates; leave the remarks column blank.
1:06
